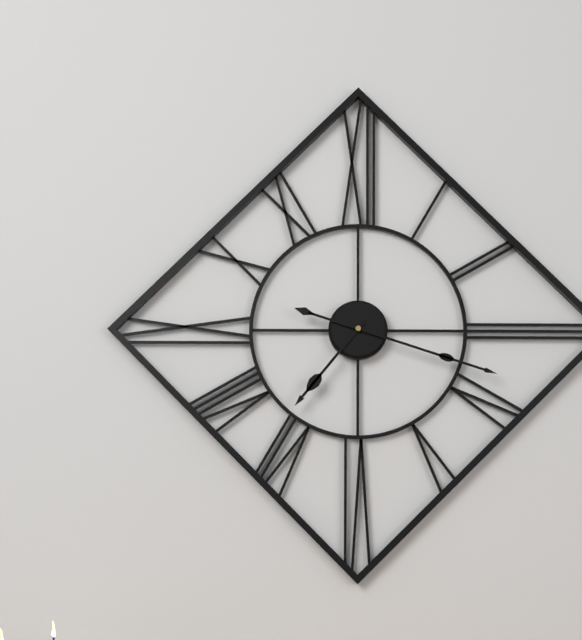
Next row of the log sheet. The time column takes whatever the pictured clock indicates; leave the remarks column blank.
7:18
